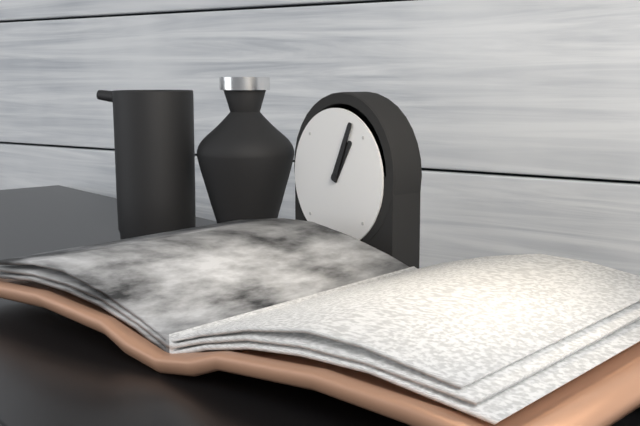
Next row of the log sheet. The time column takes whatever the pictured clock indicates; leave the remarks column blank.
1:04
